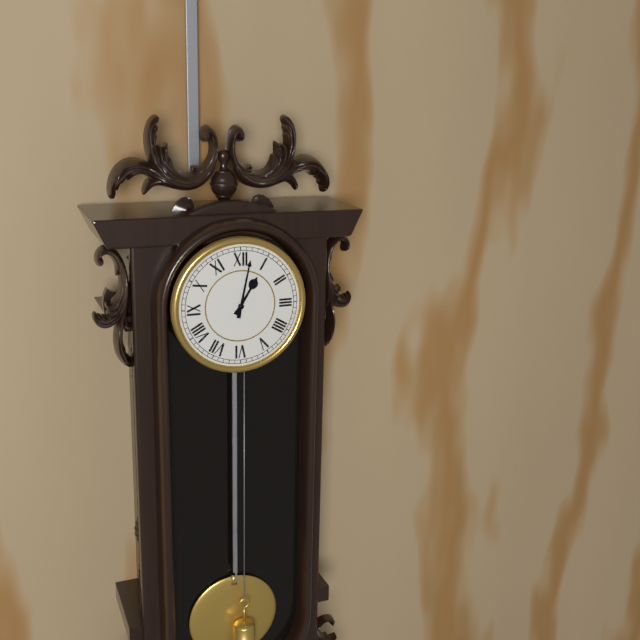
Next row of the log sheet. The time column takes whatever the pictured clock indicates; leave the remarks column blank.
1:02
